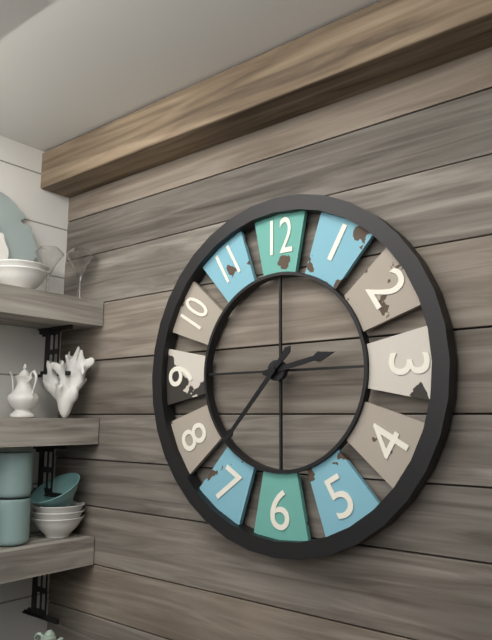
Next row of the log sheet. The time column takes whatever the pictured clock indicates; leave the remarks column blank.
2:37
